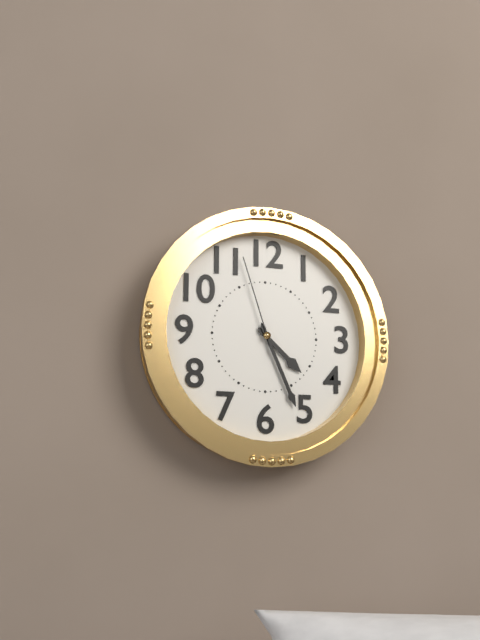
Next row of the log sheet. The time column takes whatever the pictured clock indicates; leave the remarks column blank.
4:26:57
